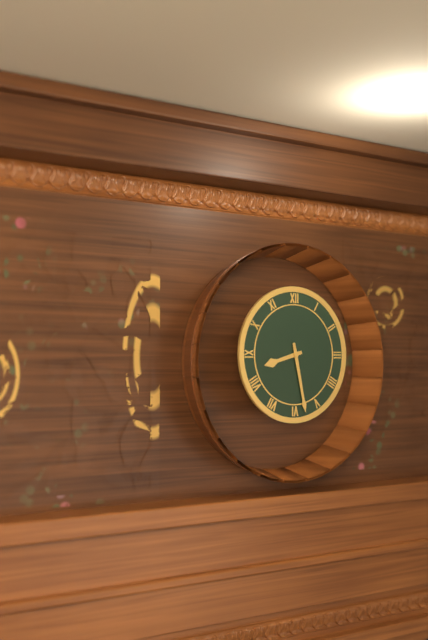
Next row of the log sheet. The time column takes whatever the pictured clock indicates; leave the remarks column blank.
8:28
